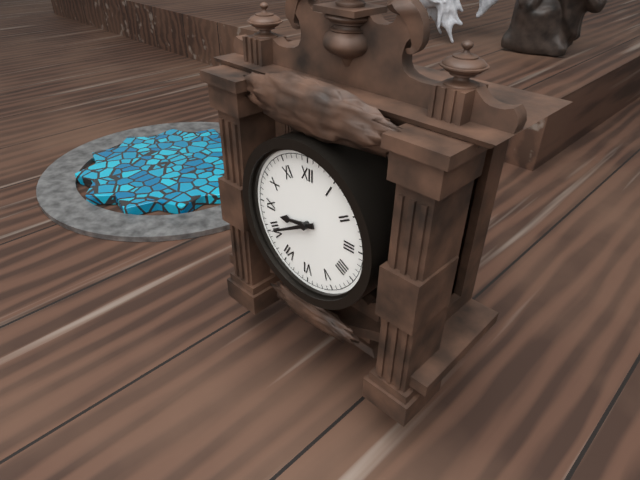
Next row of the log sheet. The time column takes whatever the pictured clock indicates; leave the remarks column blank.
8:40
